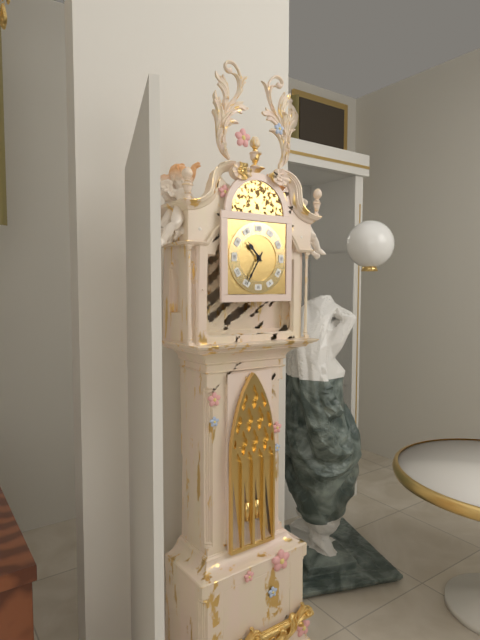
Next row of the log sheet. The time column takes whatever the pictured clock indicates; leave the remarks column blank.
10:35
